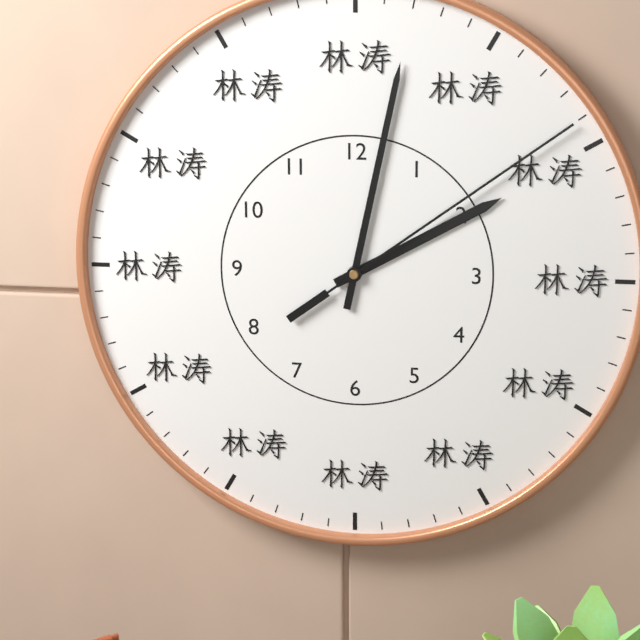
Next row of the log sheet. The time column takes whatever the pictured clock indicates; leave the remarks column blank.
2:02:09
